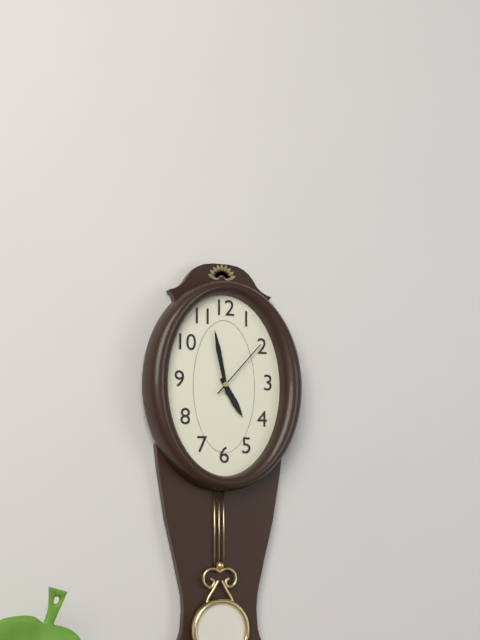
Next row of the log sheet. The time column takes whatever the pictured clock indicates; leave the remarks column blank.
4:58:07
